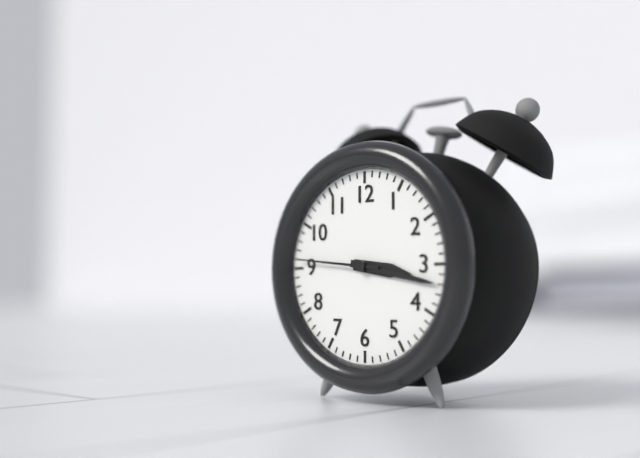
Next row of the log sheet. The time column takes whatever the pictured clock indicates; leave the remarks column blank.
3:17:46
